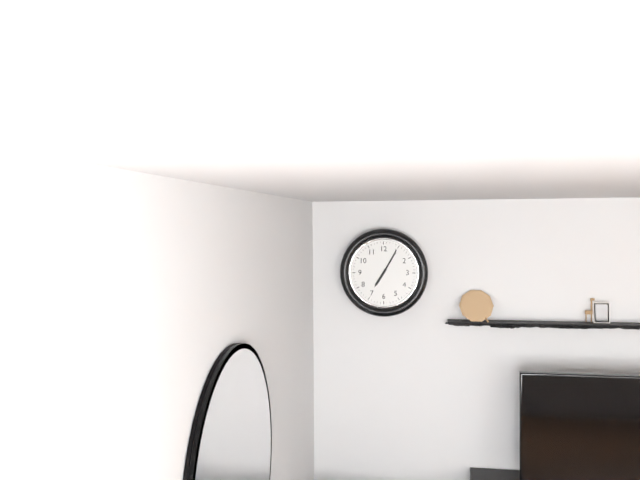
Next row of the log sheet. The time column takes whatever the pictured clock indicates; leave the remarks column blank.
7:05
